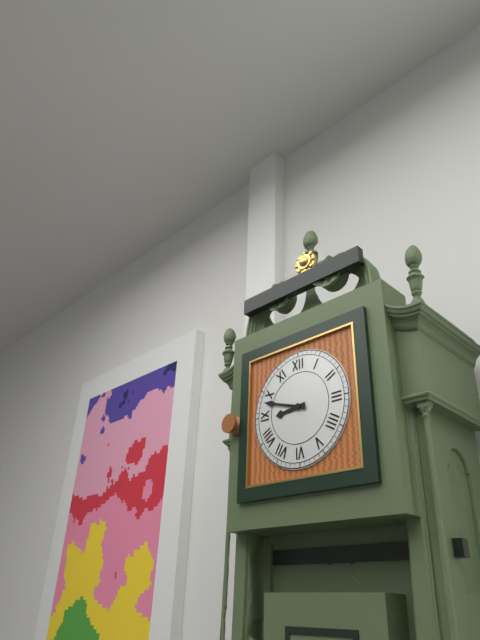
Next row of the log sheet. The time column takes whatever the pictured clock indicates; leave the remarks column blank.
8:48
